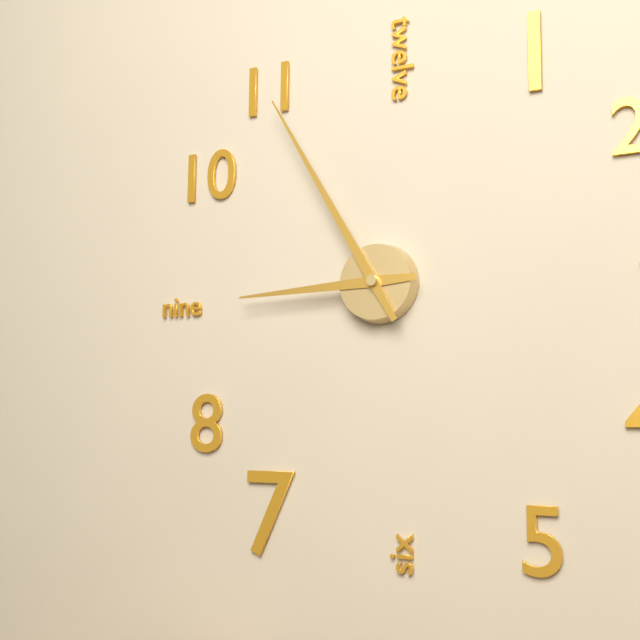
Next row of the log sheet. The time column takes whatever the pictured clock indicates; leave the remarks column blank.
8:55
